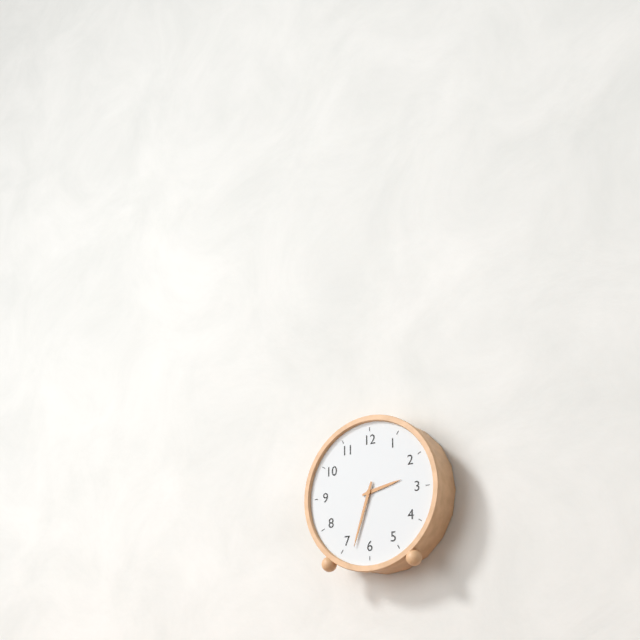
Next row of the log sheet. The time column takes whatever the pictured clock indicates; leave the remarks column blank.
2:33
